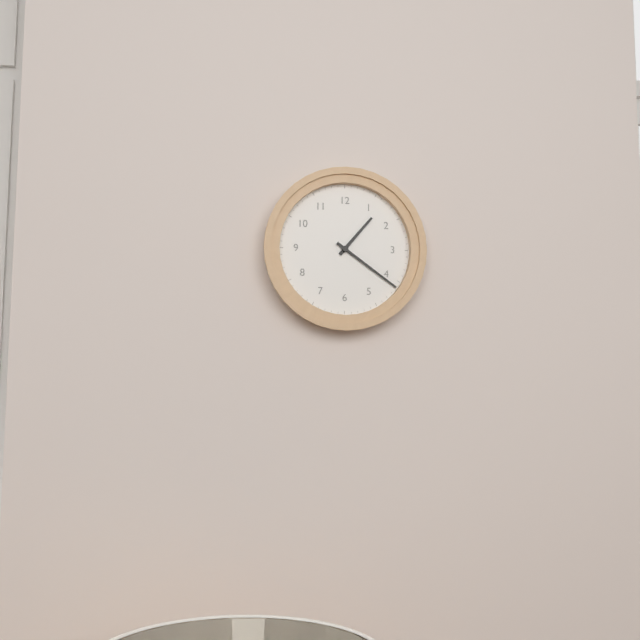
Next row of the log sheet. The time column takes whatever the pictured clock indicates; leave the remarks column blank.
1:21
